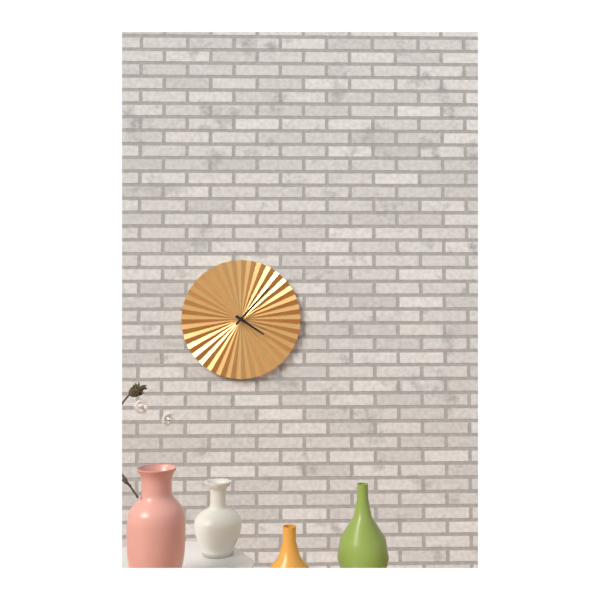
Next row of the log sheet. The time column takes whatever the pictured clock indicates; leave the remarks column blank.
4:07
